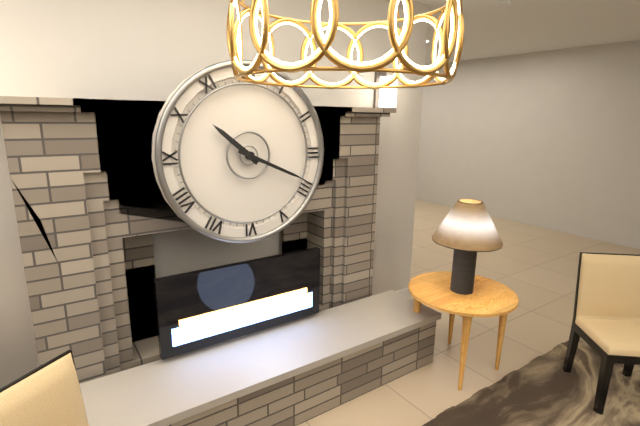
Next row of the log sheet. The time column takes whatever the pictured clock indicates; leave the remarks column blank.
10:19
